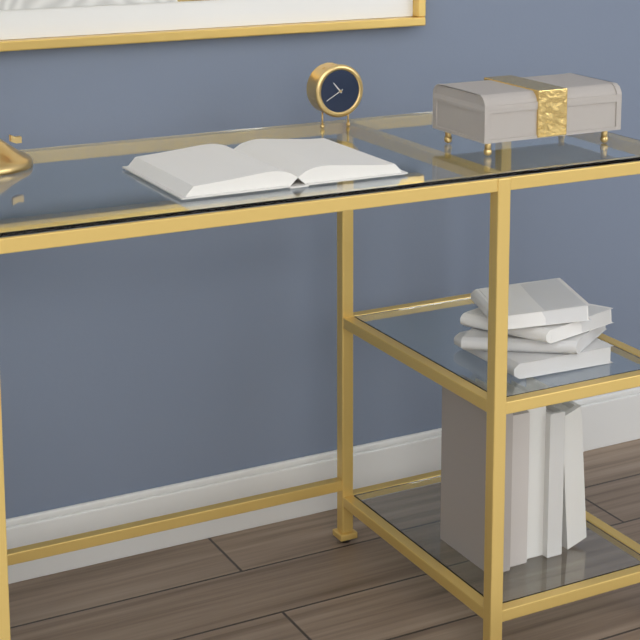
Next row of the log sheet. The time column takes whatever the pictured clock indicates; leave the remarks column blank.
10:40
